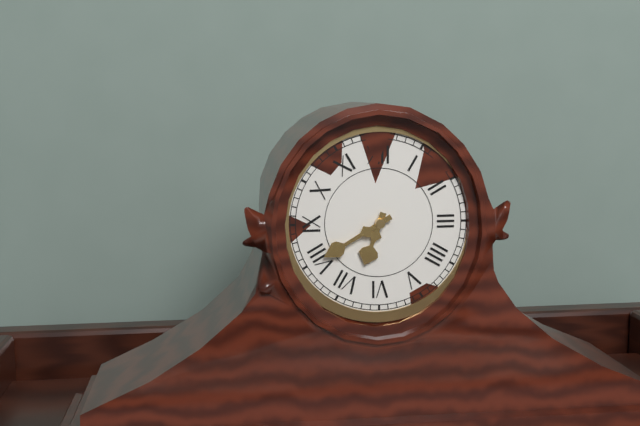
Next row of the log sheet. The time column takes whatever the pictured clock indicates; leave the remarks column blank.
6:40
